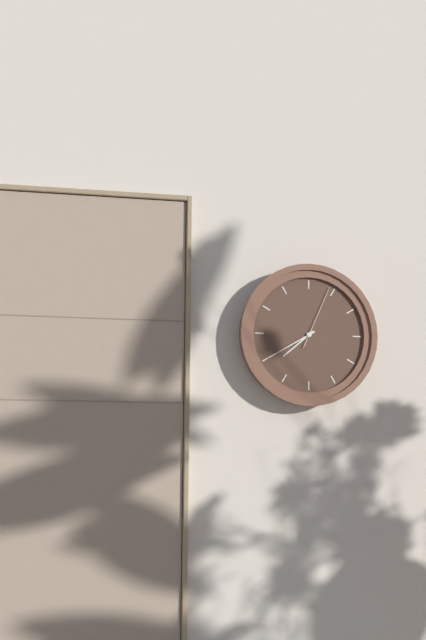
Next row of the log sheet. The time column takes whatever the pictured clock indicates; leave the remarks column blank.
7:40:04
